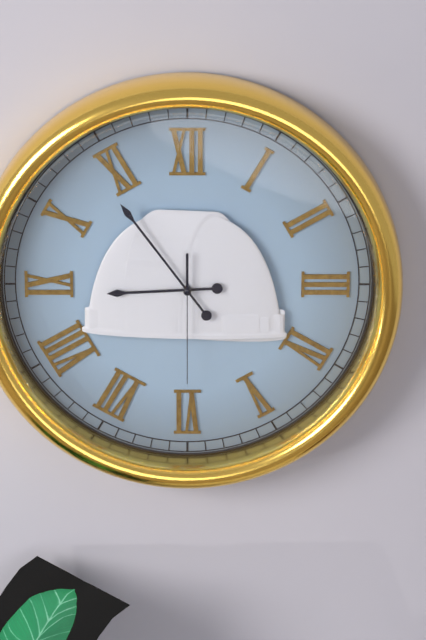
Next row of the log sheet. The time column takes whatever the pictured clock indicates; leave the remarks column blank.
8:54:30
